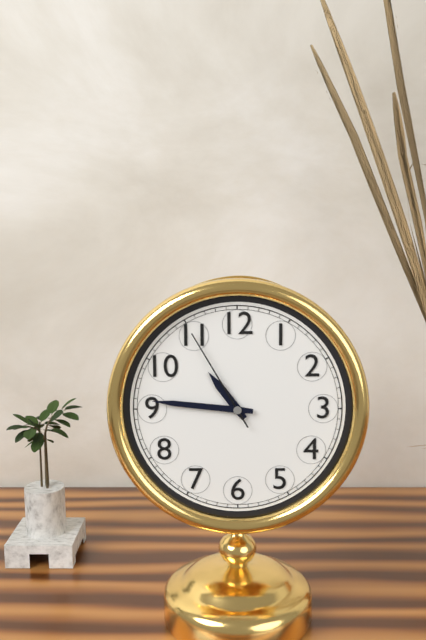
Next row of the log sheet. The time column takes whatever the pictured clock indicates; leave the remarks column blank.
10:46:55
